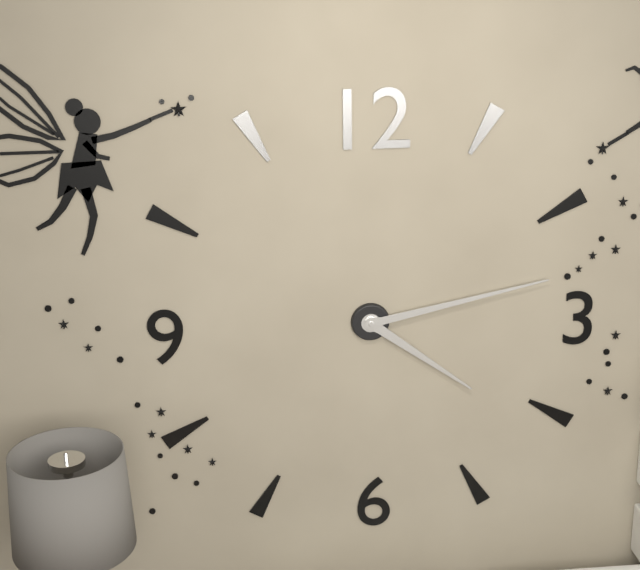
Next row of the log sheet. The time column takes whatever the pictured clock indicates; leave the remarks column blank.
4:13
